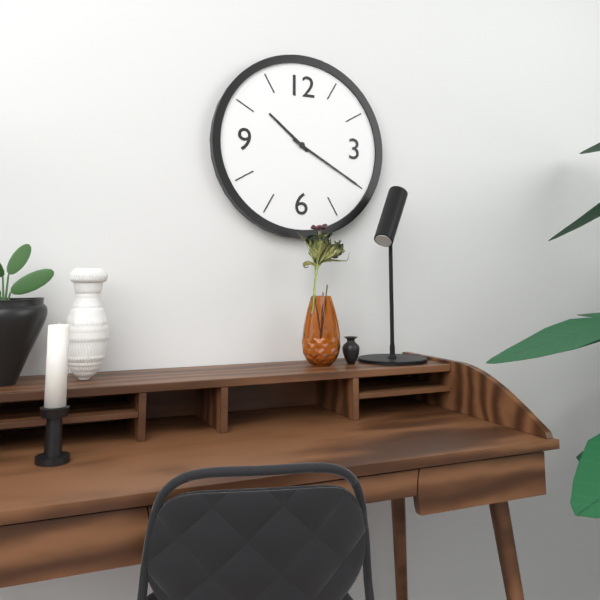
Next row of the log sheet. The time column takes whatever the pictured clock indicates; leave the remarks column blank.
10:20
